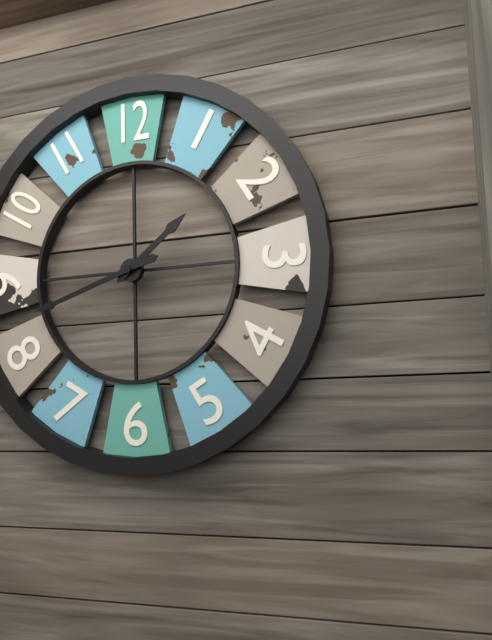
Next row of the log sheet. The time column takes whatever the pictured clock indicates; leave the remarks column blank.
1:42
